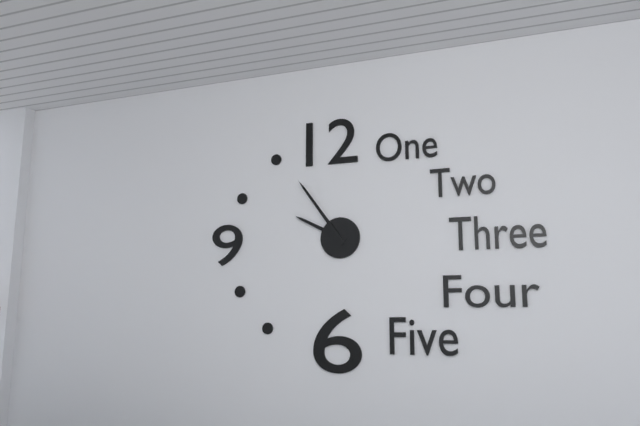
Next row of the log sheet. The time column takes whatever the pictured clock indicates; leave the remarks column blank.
9:54
